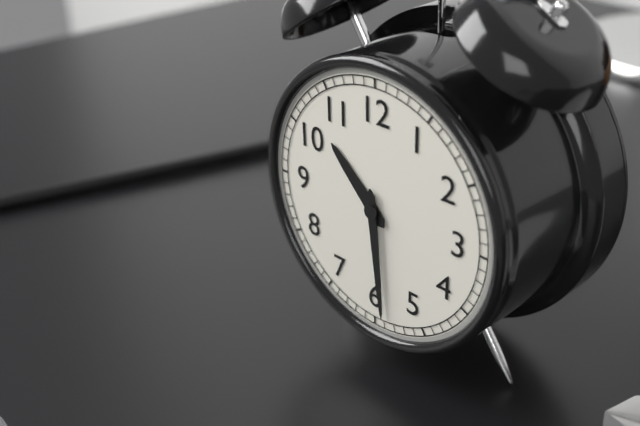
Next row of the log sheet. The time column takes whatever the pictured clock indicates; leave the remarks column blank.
10:29
